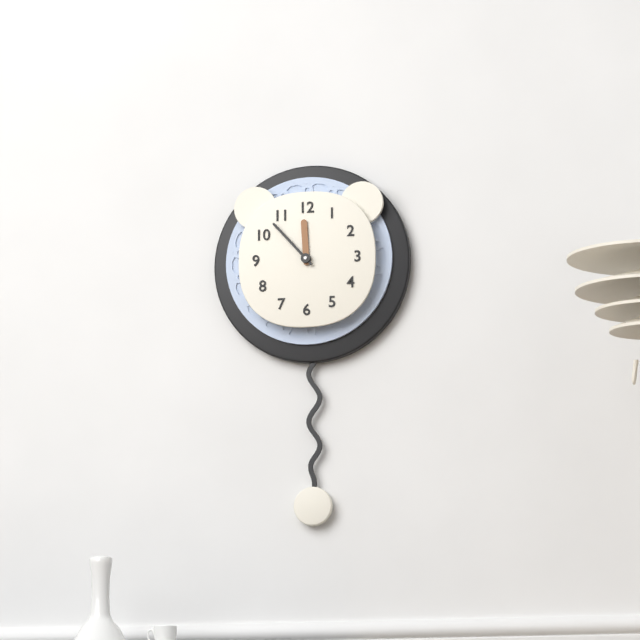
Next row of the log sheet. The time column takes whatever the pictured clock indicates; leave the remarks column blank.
11:53
